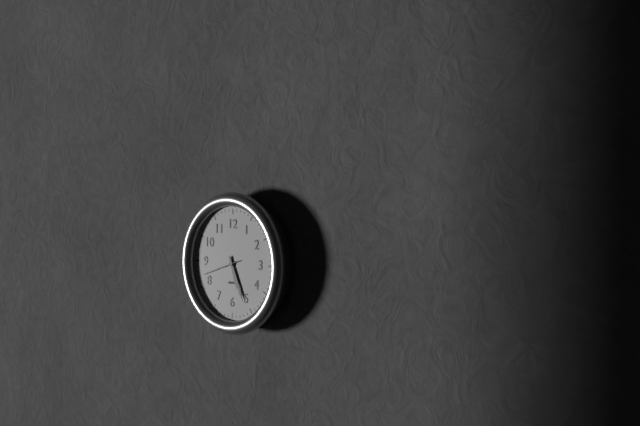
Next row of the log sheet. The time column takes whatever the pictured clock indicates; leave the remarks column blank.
5:26
